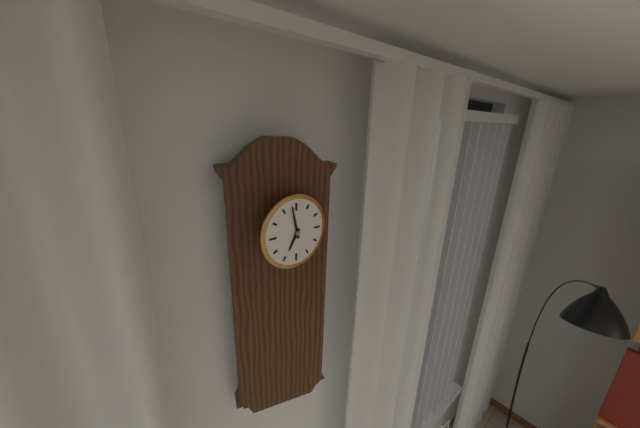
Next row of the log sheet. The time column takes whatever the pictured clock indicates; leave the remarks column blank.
6:58
